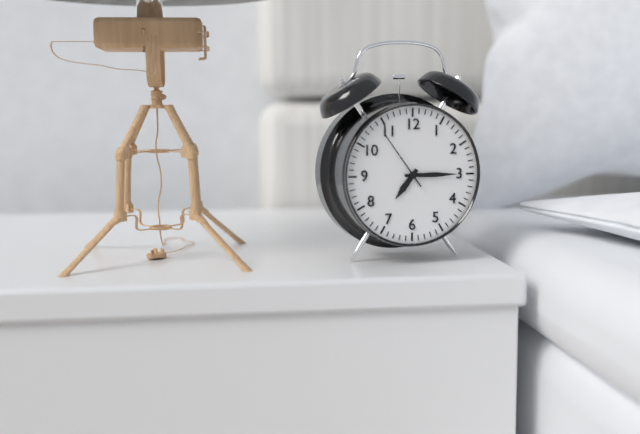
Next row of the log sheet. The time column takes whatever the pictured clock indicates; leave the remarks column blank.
7:15:54
